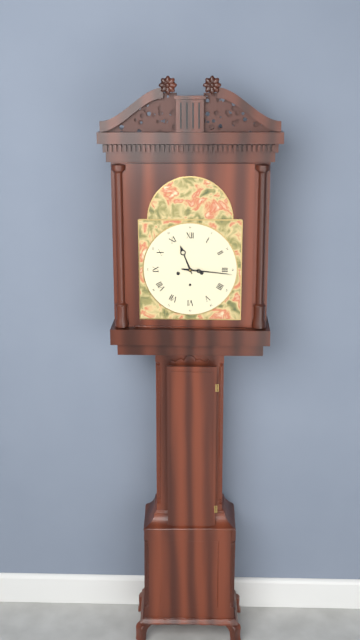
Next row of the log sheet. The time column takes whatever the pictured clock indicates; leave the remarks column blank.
11:16
